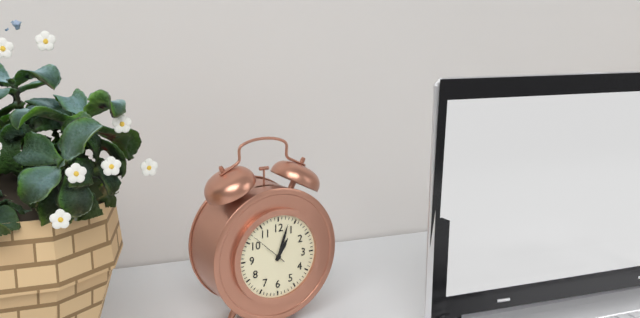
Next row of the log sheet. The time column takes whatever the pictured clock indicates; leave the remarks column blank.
1:03
